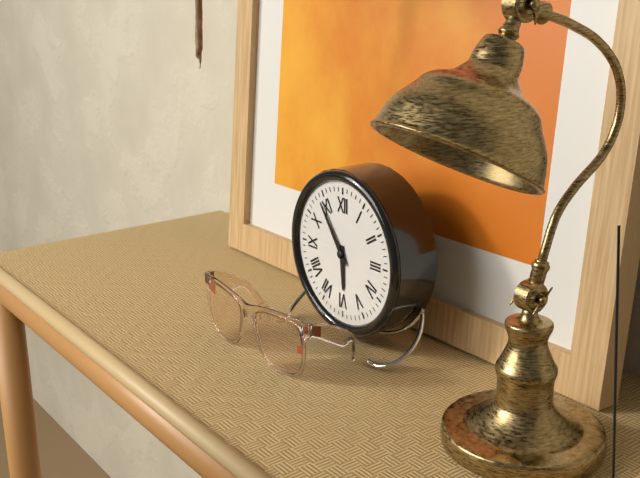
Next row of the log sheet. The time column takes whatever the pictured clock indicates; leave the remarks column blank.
5:54
